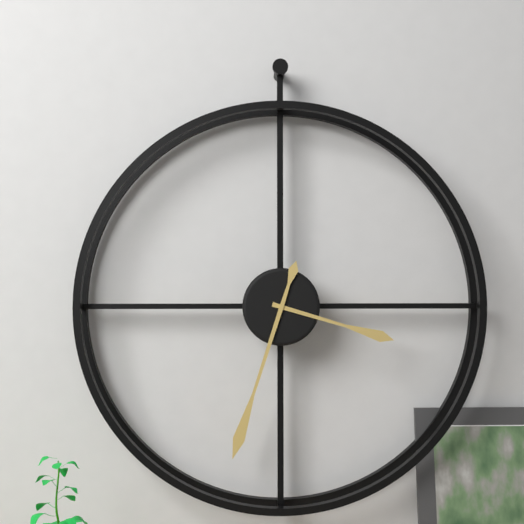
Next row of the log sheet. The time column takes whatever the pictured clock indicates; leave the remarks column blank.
3:33
